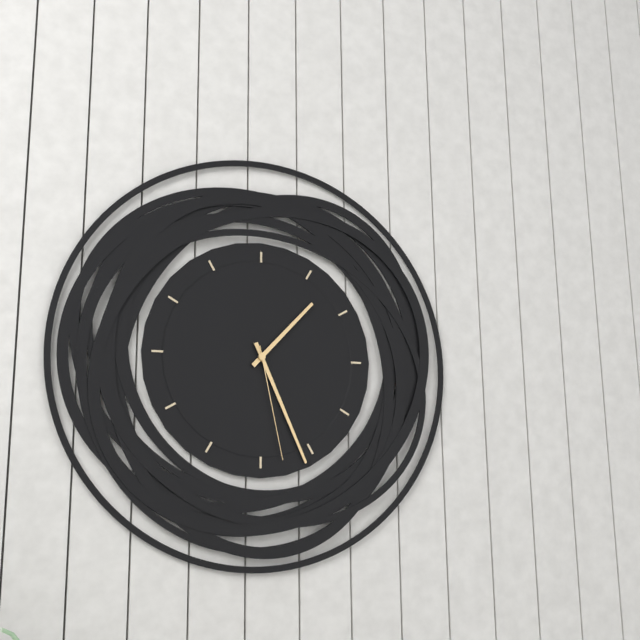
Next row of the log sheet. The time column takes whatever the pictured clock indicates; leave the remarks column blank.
1:26:28
